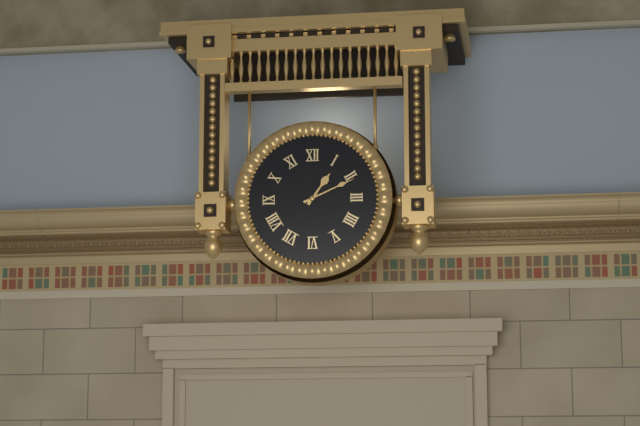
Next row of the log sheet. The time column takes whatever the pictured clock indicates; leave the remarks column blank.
1:11
